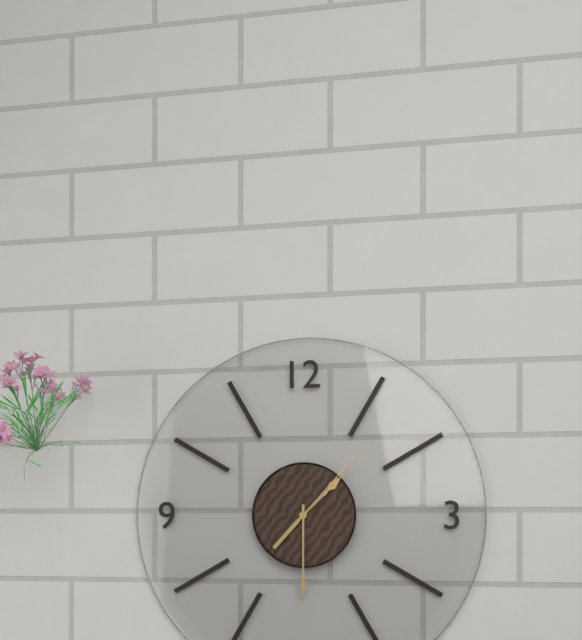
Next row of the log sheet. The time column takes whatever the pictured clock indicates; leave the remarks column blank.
1:30:07
